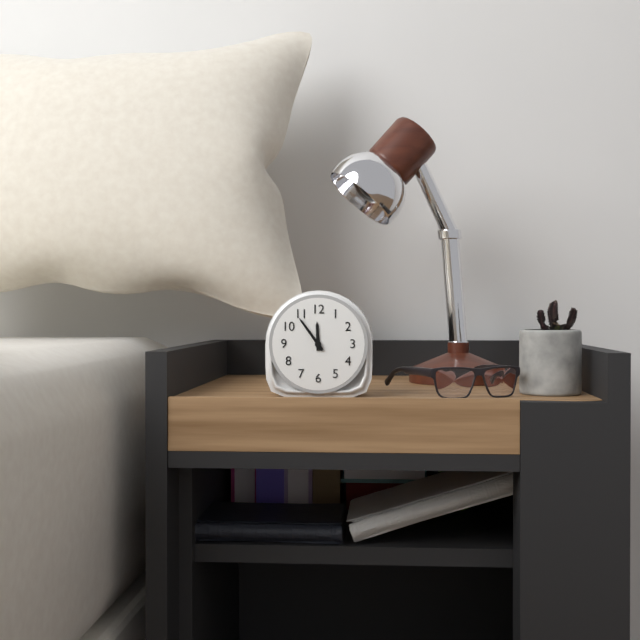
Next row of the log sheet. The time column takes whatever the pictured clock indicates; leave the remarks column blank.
11:54
